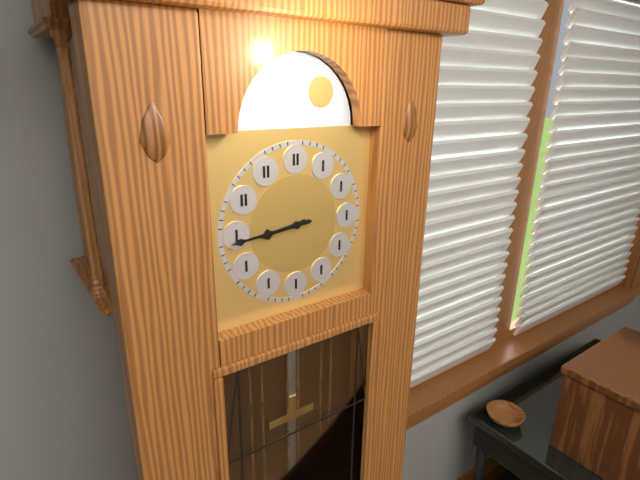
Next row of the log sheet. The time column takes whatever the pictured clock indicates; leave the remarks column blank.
8:44
